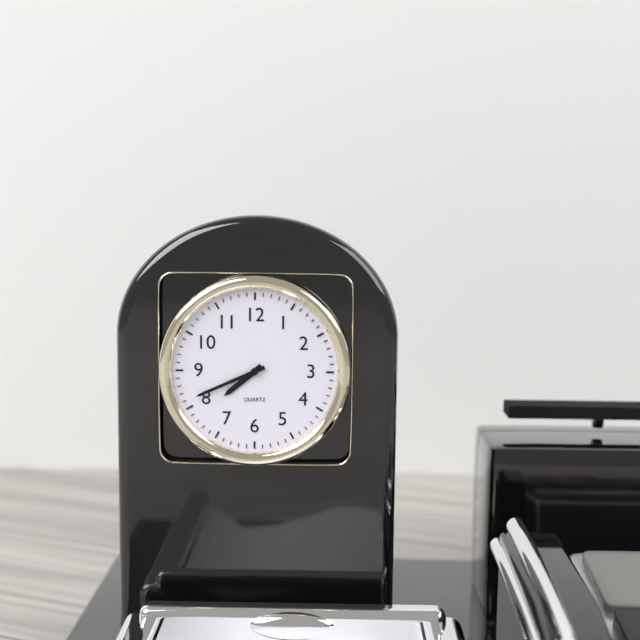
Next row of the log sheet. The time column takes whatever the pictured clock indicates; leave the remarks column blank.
7:41
